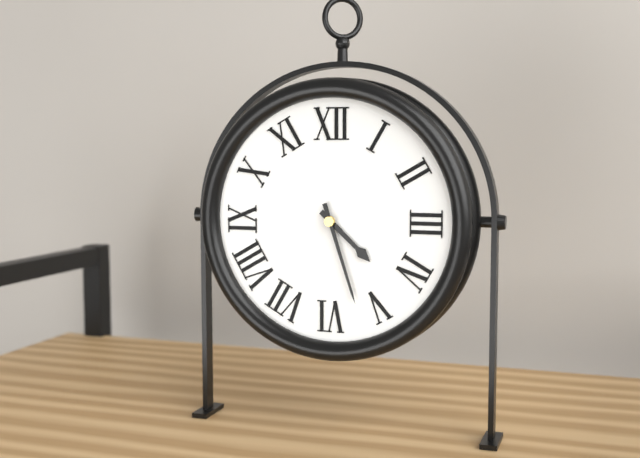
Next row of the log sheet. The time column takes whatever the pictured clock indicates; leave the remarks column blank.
4:27
